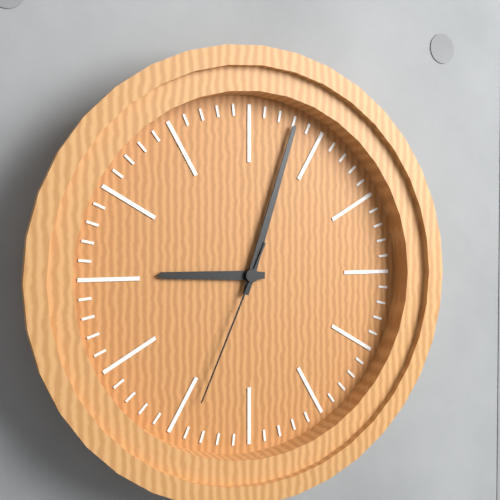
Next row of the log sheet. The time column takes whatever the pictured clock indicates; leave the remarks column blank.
9:03:34
